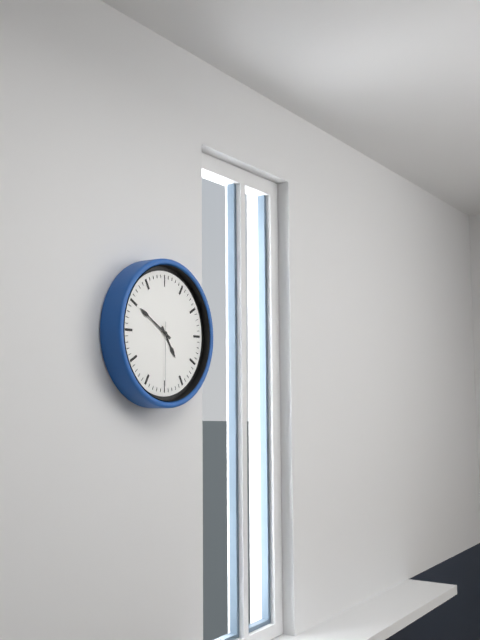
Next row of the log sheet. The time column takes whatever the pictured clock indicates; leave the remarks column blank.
4:50:30
